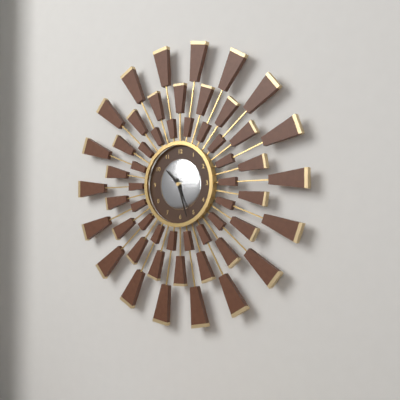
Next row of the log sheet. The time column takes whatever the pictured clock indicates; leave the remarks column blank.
10:27
